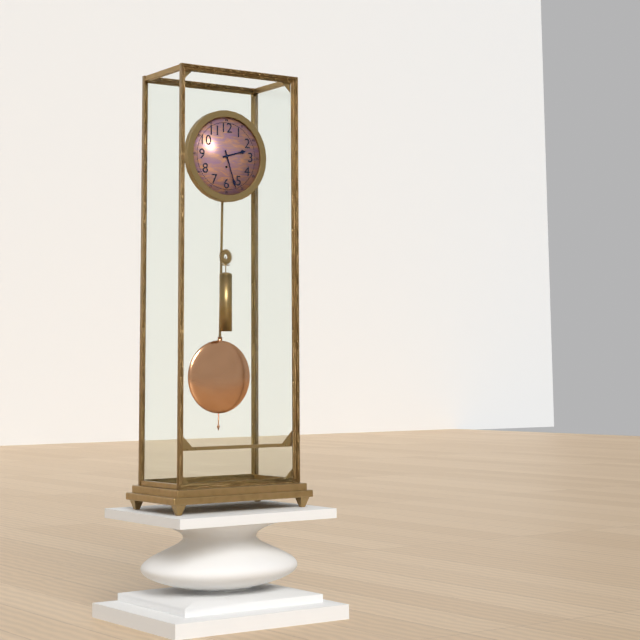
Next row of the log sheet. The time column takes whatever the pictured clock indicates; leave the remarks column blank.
2:27
